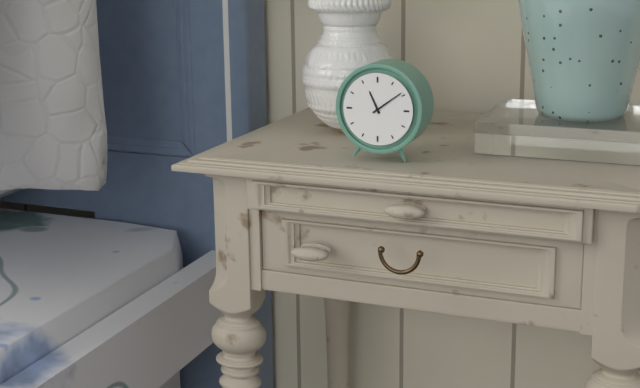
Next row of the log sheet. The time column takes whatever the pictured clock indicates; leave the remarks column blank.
11:09
